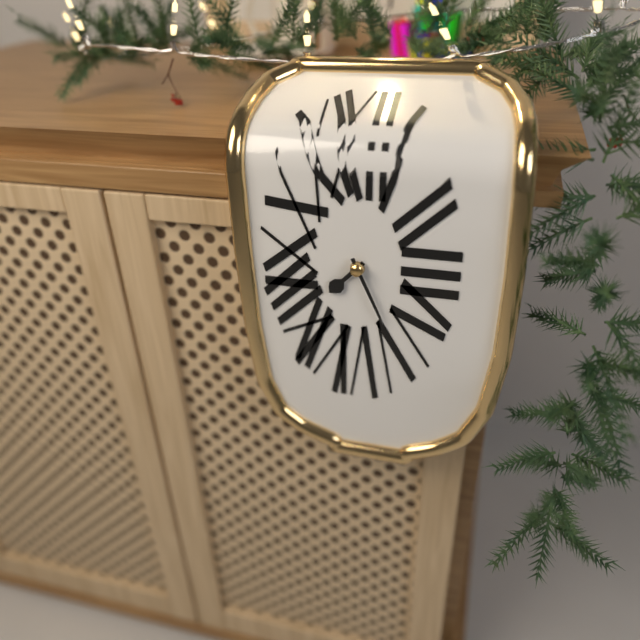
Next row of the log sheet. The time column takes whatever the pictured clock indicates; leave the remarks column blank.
7:26
